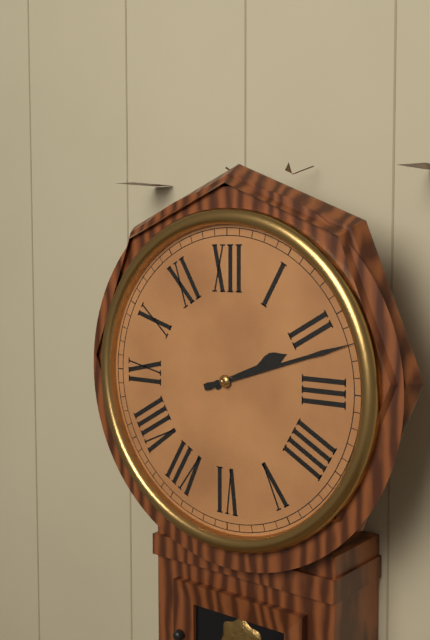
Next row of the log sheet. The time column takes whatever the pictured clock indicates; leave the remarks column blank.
2:12
